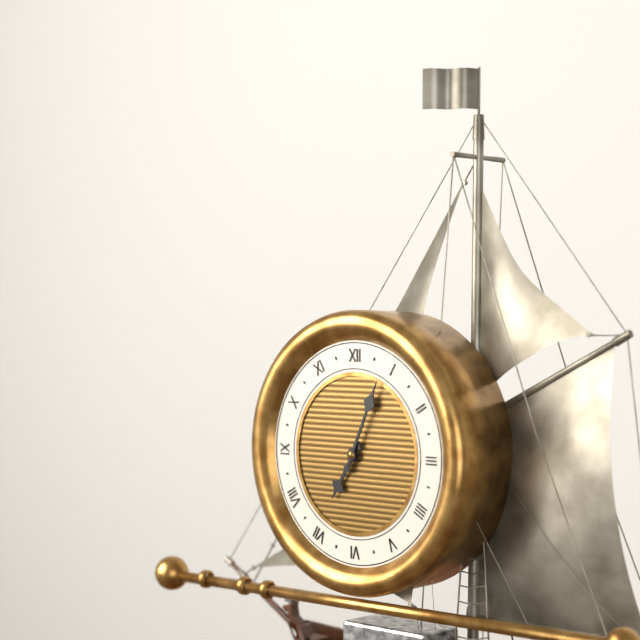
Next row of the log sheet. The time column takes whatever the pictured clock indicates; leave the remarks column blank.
7:04
